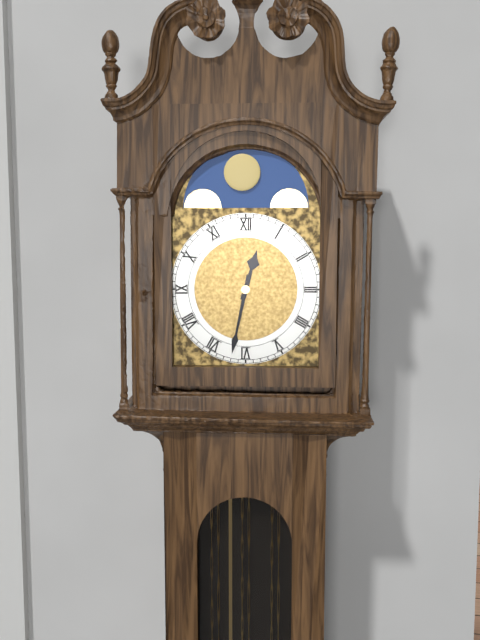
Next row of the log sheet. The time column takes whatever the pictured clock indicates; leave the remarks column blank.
12:32
